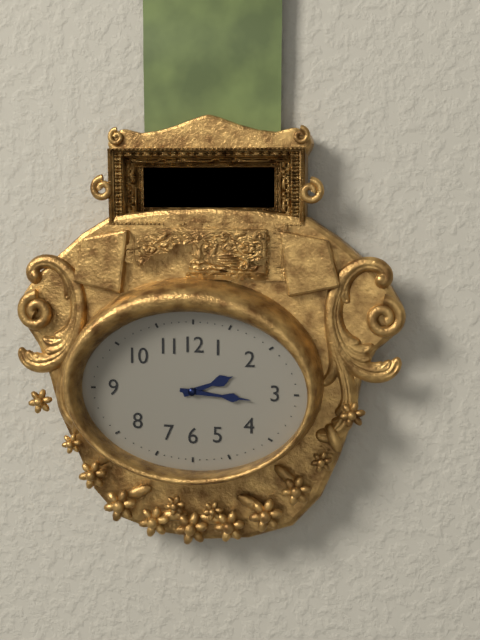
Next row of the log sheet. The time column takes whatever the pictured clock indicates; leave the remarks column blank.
2:16
